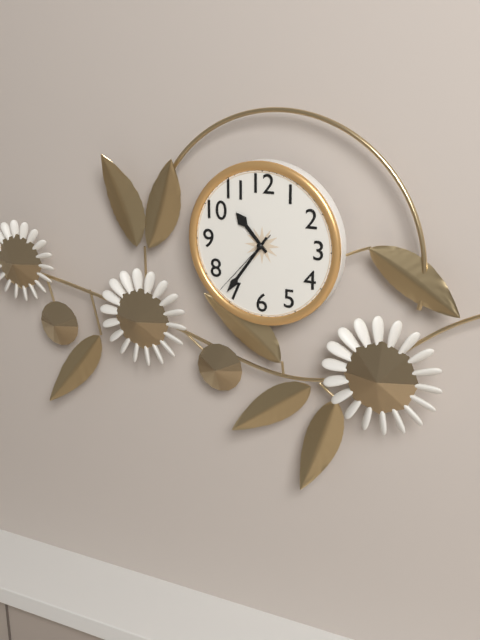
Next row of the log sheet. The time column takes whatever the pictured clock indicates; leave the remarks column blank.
10:36:37
